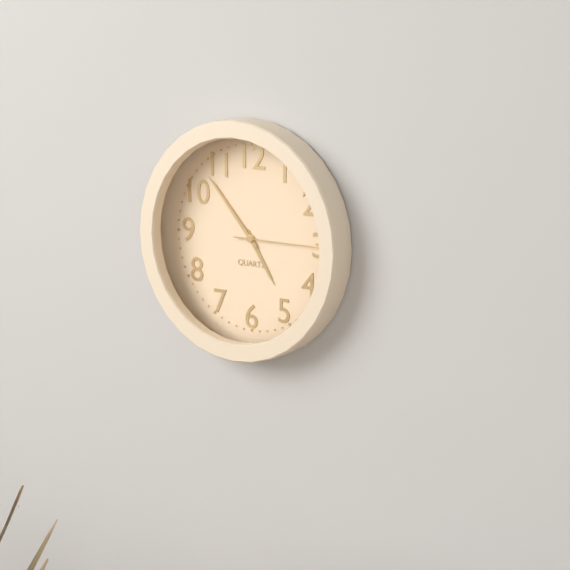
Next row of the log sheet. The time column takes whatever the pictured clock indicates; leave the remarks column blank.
4:53:15
